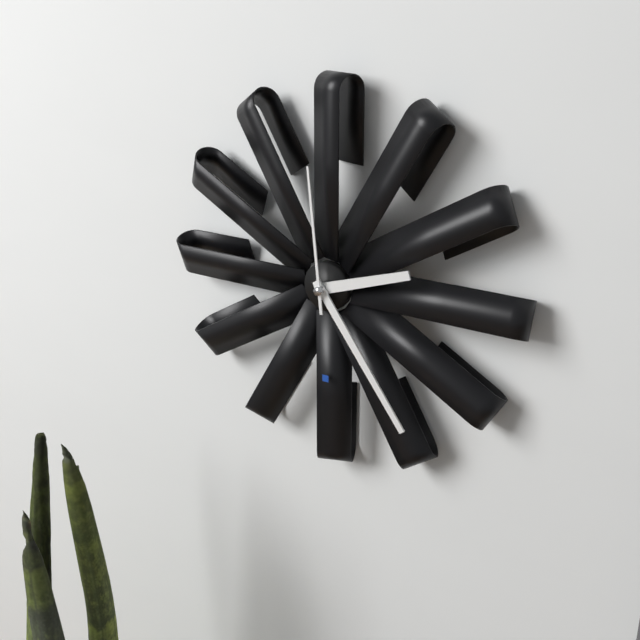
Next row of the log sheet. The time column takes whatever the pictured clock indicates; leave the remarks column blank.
2:24:59
